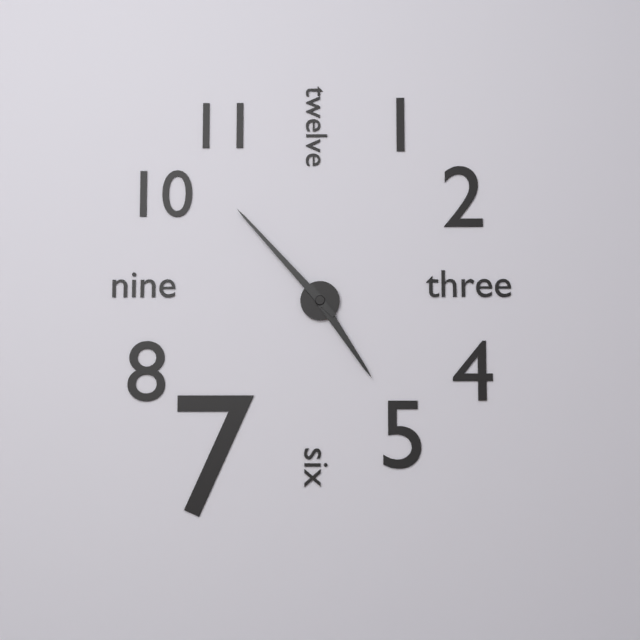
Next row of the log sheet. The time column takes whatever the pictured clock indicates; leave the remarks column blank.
4:53
